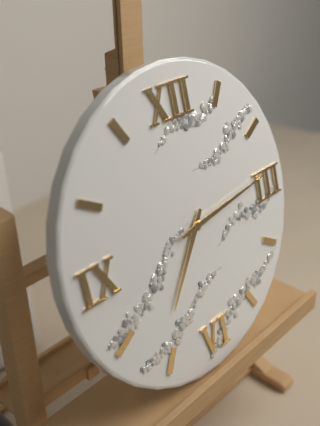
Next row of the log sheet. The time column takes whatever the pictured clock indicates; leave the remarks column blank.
7:14
